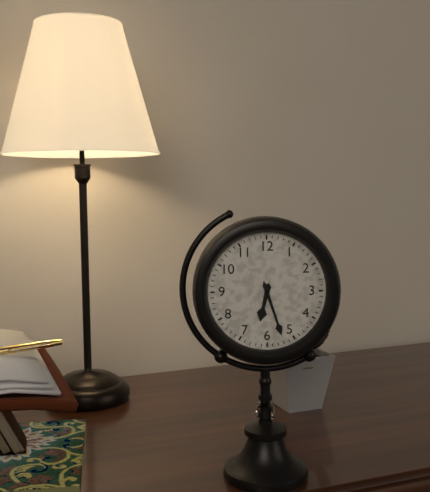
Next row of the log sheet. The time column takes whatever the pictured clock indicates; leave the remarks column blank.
6:27
